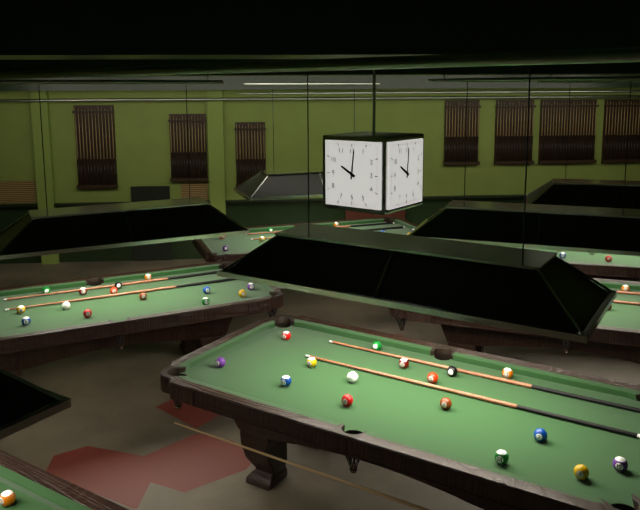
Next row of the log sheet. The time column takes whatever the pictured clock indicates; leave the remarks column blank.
10:01
